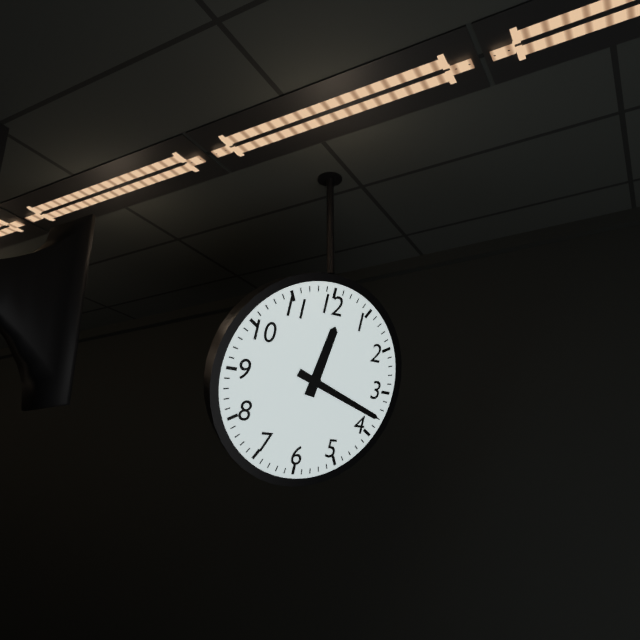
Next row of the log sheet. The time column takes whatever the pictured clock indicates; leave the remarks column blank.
12:18
